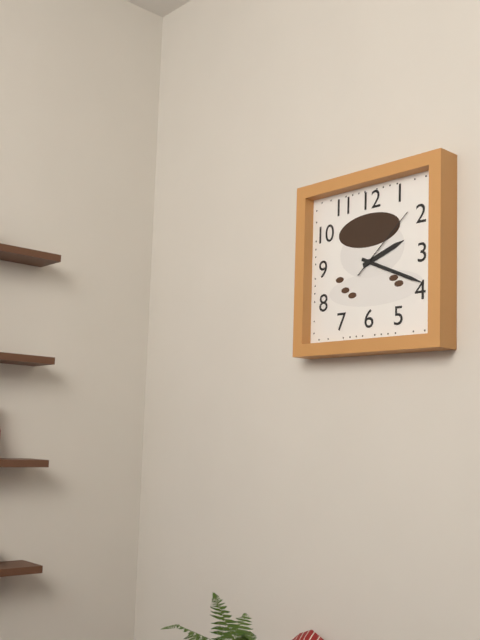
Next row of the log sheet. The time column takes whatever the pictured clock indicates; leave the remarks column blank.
2:19:08
